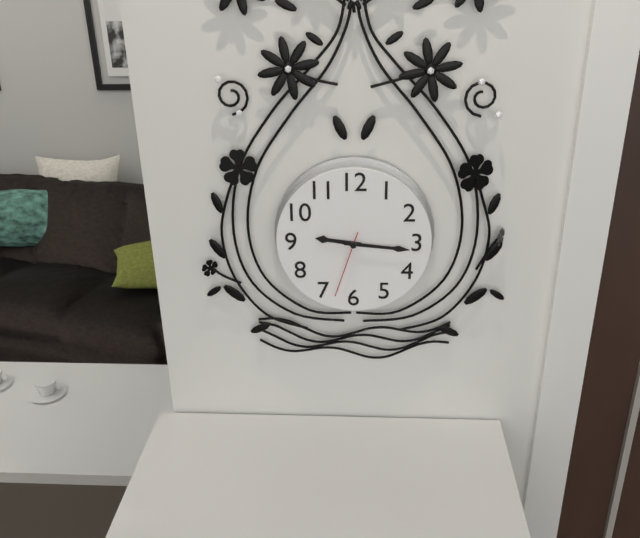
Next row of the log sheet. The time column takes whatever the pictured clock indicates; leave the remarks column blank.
9:16:33
